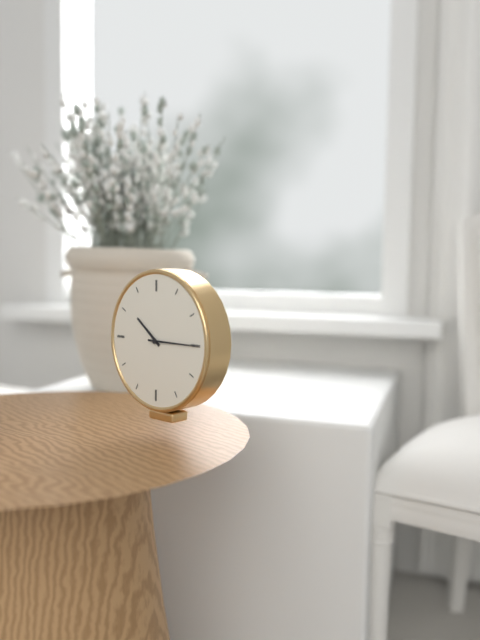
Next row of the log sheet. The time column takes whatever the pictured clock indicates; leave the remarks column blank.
10:15
